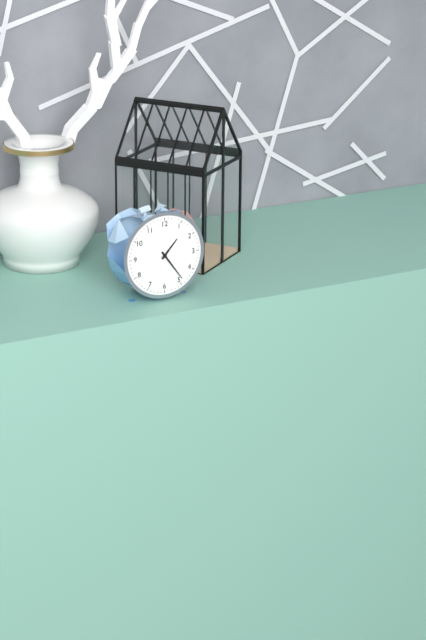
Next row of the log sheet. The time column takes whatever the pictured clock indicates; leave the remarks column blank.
1:24
